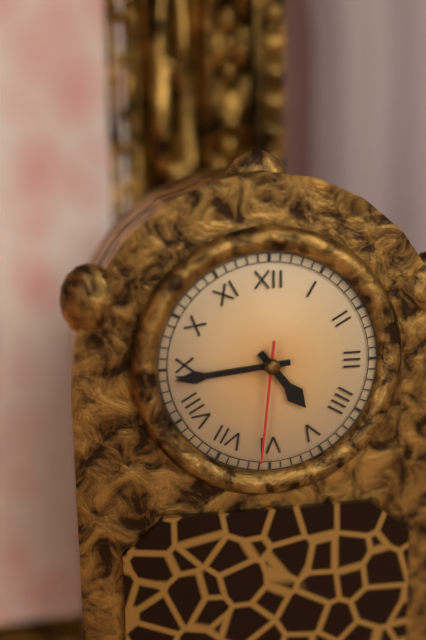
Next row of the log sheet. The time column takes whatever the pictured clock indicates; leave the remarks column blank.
4:44:31
